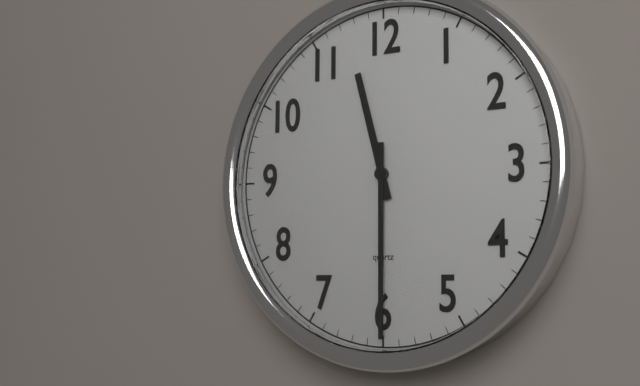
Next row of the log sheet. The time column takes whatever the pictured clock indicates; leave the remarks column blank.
11:30
